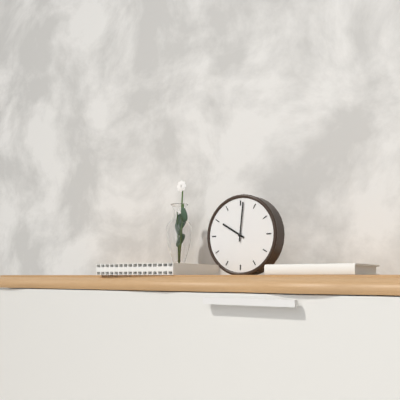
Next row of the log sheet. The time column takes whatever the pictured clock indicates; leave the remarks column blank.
10:01
